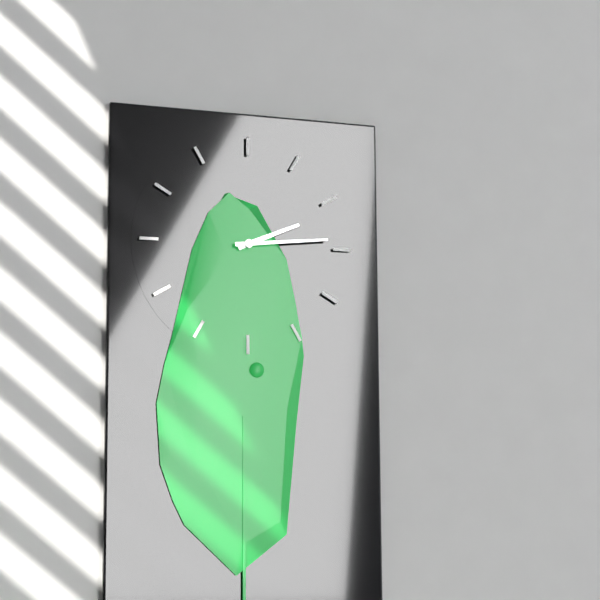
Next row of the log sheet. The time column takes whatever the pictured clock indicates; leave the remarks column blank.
2:14
